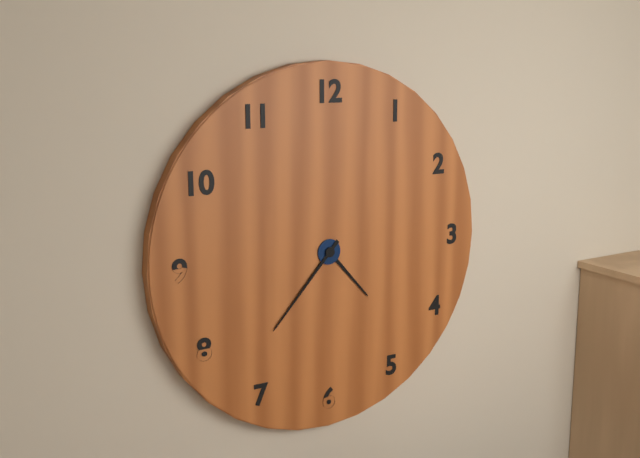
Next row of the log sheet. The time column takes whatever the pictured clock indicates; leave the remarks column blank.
4:37
